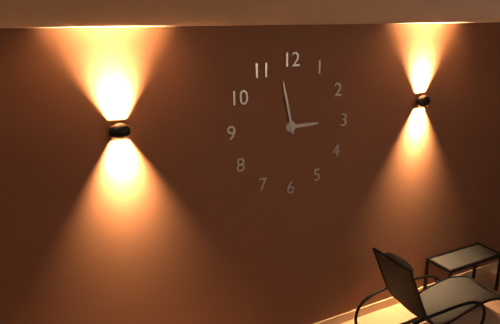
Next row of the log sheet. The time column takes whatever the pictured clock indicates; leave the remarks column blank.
2:58
